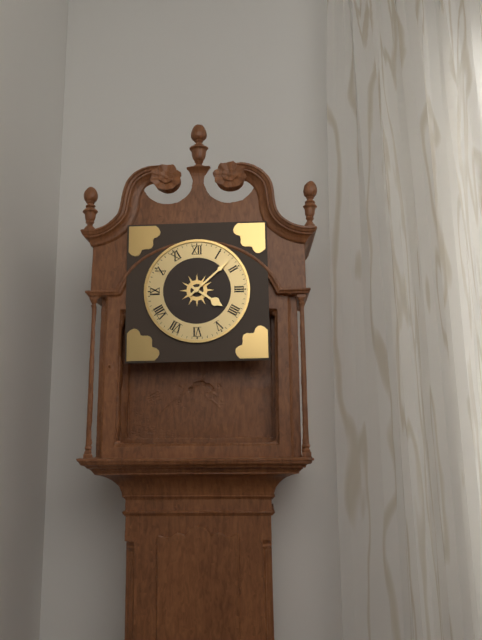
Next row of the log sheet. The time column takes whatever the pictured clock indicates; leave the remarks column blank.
4:08
